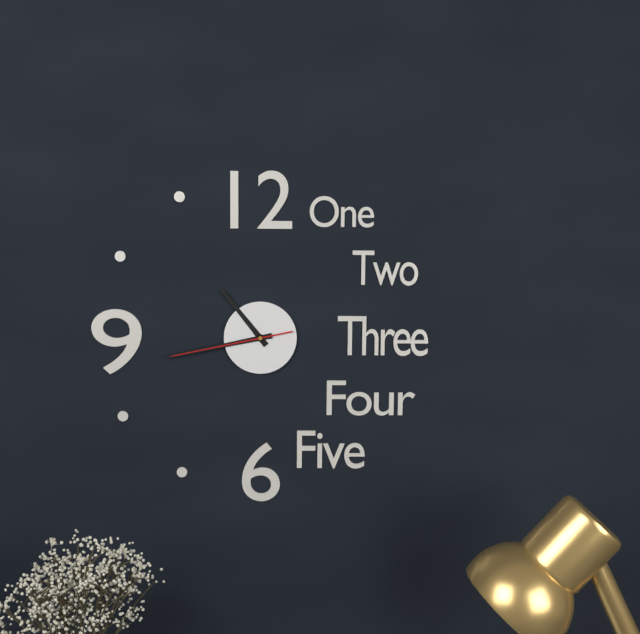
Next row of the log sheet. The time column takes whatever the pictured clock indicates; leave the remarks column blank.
10:43:43
